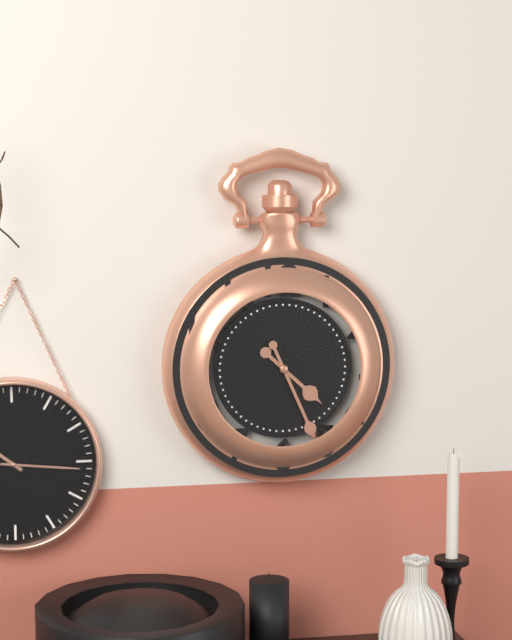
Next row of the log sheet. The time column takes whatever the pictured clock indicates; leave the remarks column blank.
4:26
